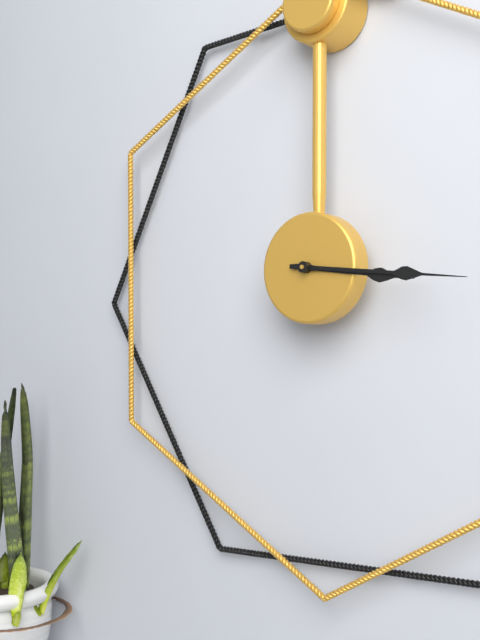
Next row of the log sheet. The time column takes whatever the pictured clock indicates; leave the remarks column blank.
3:16
